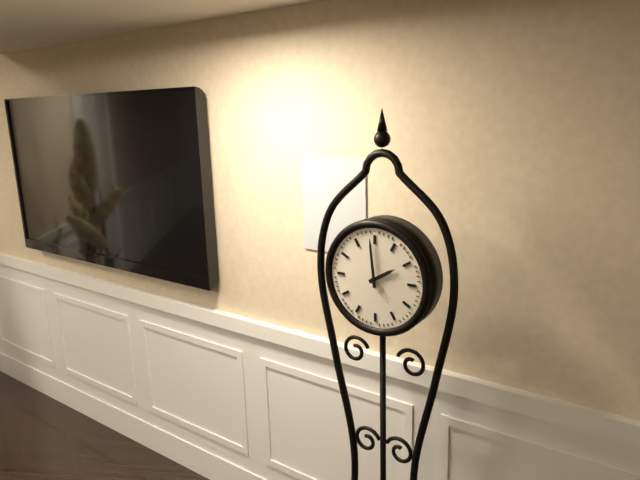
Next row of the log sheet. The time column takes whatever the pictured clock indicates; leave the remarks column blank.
1:59
